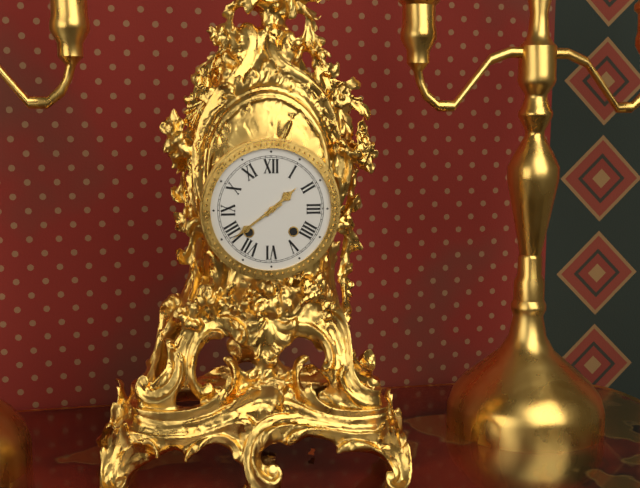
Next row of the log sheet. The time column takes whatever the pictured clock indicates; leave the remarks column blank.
1:39
